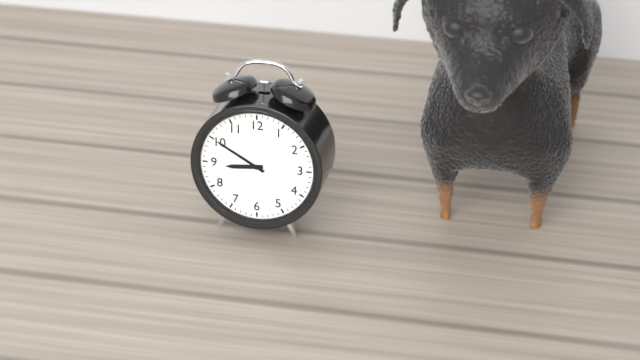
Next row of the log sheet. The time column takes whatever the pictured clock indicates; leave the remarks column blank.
8:50
